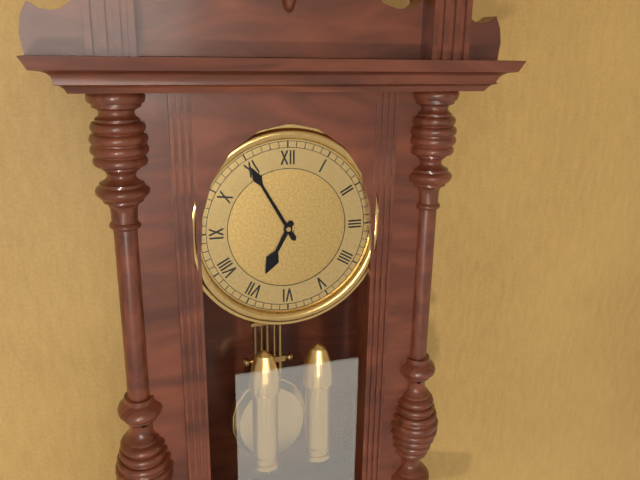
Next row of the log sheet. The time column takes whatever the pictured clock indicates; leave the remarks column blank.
6:55
